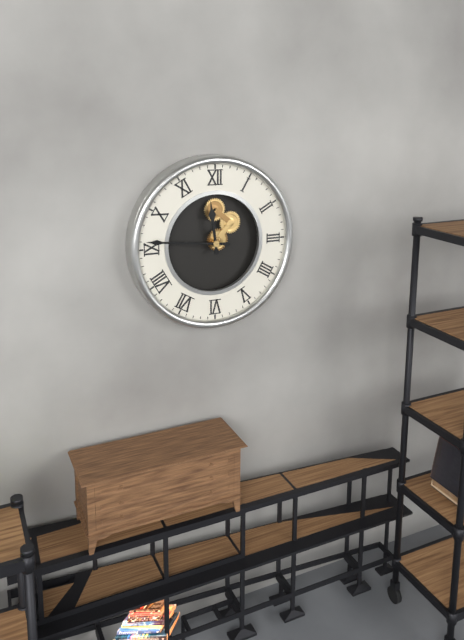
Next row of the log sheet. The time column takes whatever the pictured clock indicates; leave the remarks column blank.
11:46
